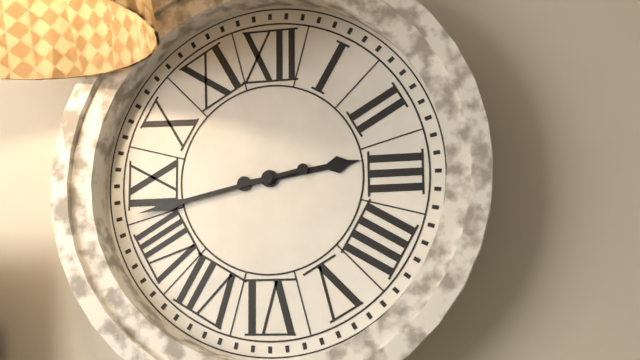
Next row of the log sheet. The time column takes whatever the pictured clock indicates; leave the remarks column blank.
2:43
